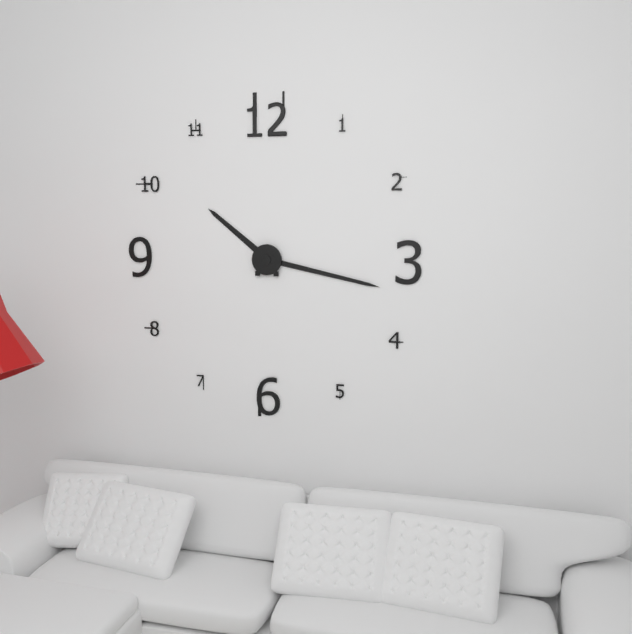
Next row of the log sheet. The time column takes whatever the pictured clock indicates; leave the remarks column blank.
10:17
